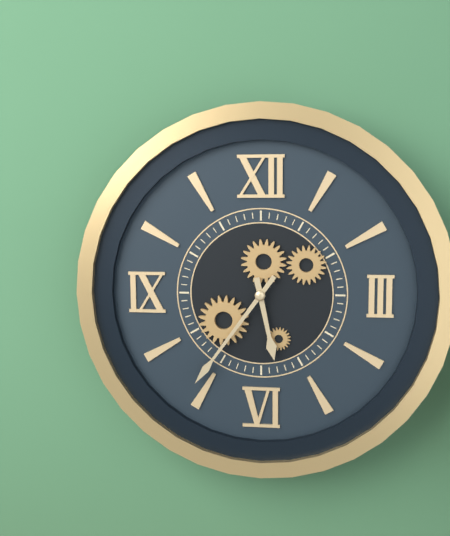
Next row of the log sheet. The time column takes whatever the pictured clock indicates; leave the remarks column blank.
5:36
